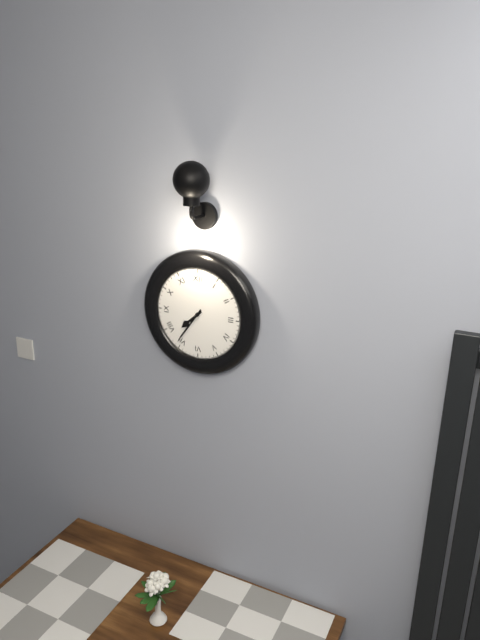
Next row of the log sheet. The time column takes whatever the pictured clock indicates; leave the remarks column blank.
7:36
